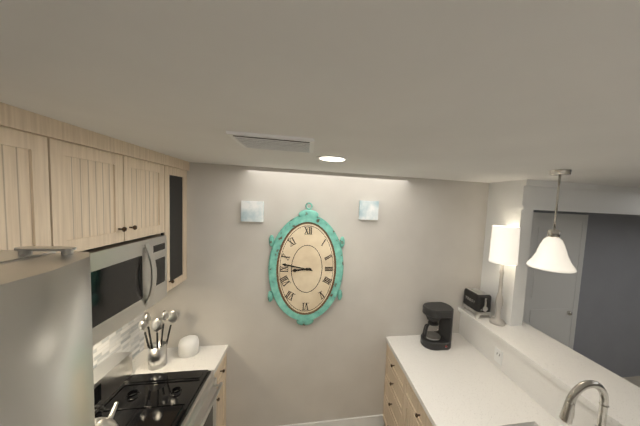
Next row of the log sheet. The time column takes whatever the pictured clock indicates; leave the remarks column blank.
8:47
